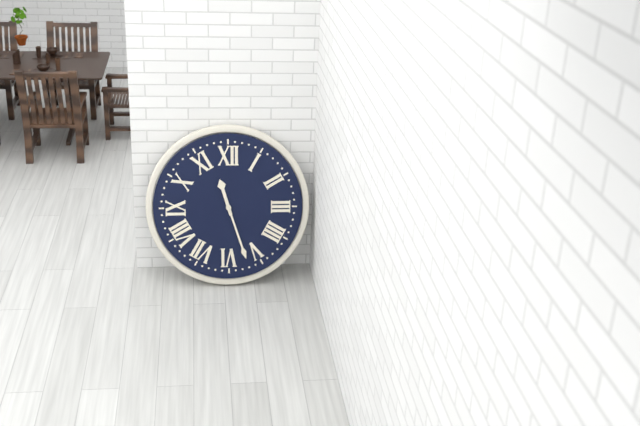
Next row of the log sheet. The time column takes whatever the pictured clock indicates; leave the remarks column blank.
11:27
